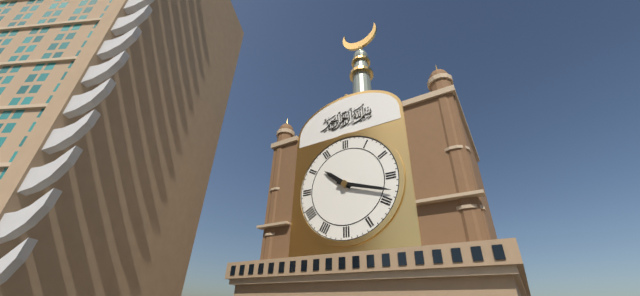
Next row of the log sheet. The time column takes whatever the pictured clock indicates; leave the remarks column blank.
10:18
